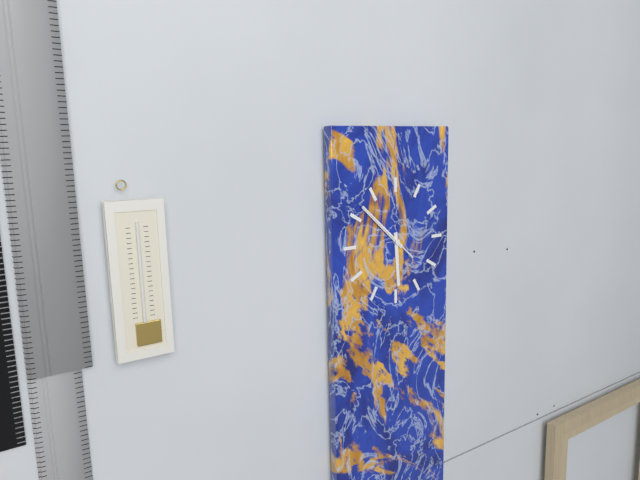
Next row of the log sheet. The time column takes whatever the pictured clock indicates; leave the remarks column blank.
5:52:52
